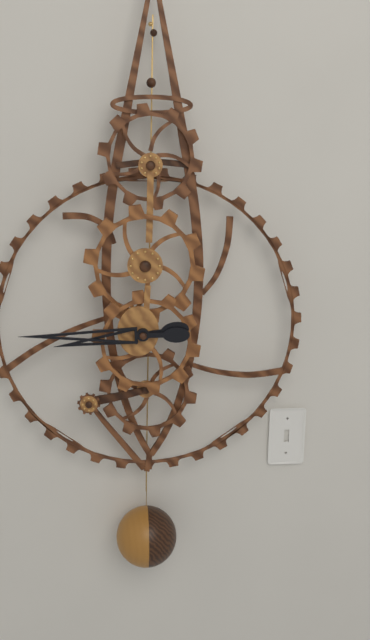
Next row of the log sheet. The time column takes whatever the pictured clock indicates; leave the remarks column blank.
8:45
